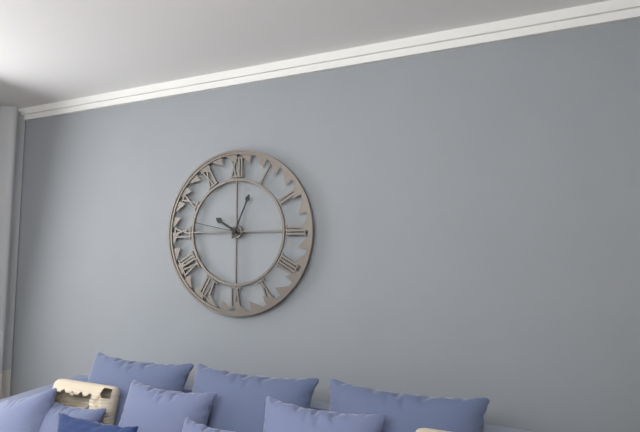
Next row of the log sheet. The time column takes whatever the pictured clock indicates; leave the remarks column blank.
10:04:47
